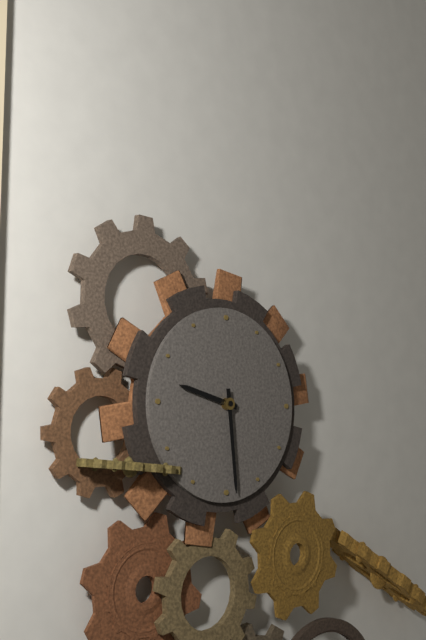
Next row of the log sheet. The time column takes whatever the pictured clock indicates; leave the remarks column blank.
9:29
